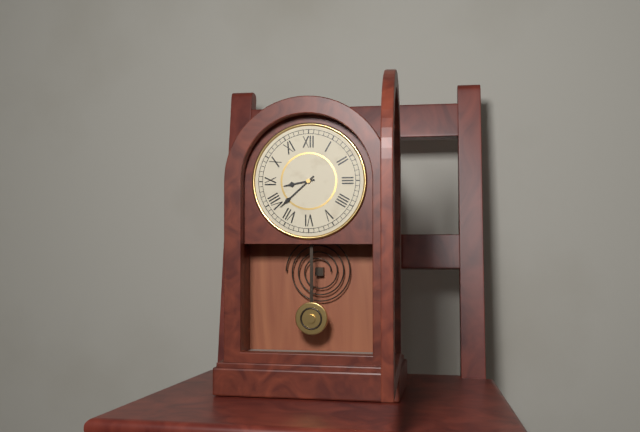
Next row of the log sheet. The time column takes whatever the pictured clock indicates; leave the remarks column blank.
8:38
